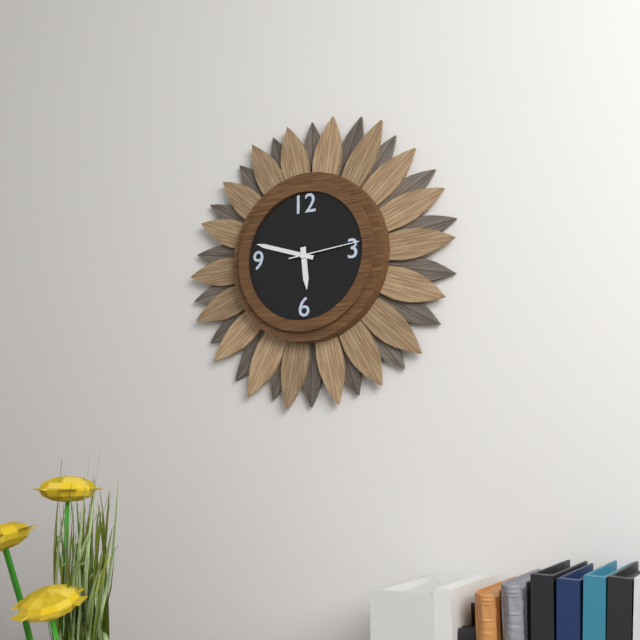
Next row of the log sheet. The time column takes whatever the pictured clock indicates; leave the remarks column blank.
5:48:14
